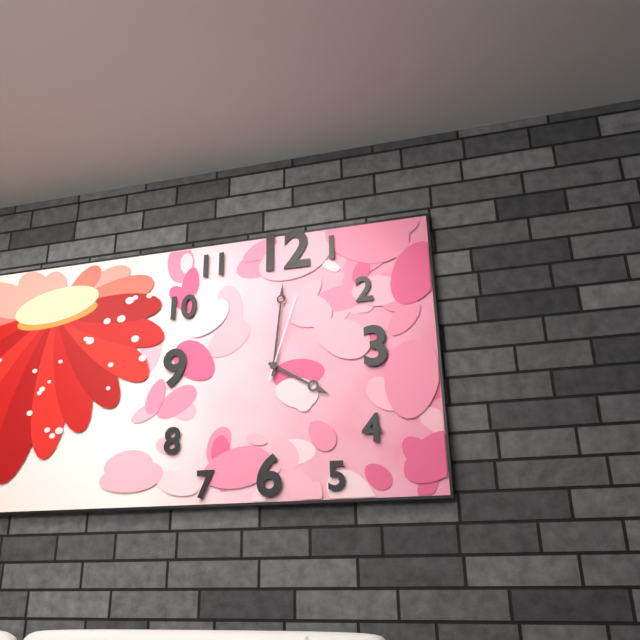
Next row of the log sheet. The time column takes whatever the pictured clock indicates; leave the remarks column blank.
4:01:03
